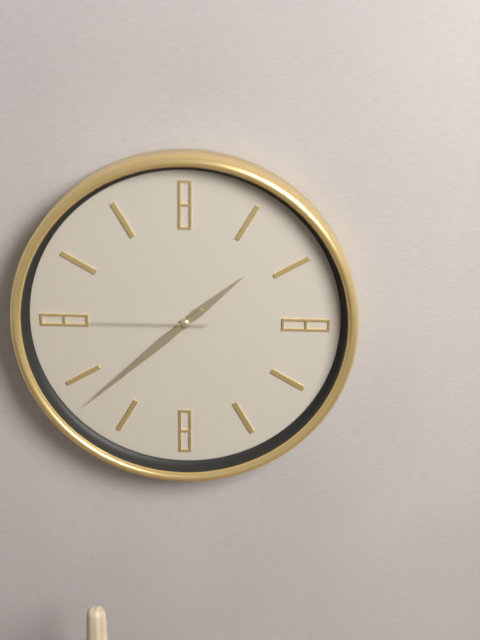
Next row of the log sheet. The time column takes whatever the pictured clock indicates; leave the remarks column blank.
1:38:45
